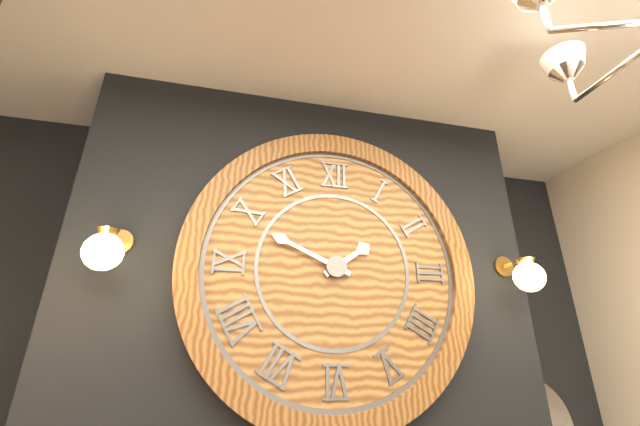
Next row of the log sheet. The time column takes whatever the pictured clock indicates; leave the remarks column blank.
1:49
